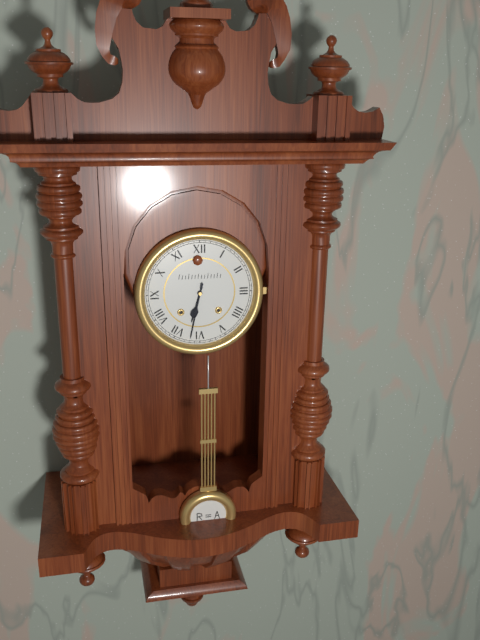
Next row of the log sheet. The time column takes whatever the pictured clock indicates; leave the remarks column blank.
6:32
